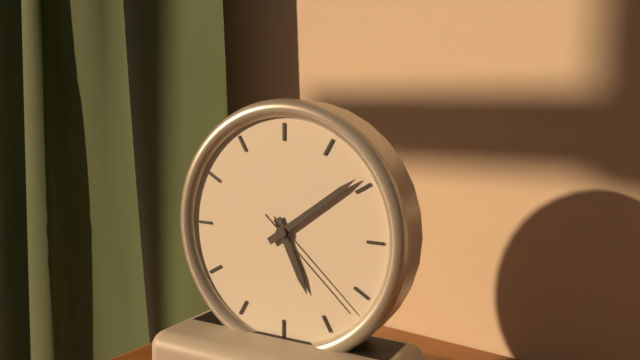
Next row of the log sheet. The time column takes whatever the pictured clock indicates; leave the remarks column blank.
5:09:22
